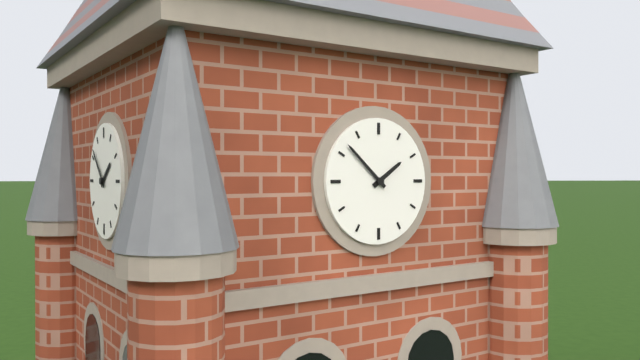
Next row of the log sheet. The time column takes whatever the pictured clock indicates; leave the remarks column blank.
1:52
